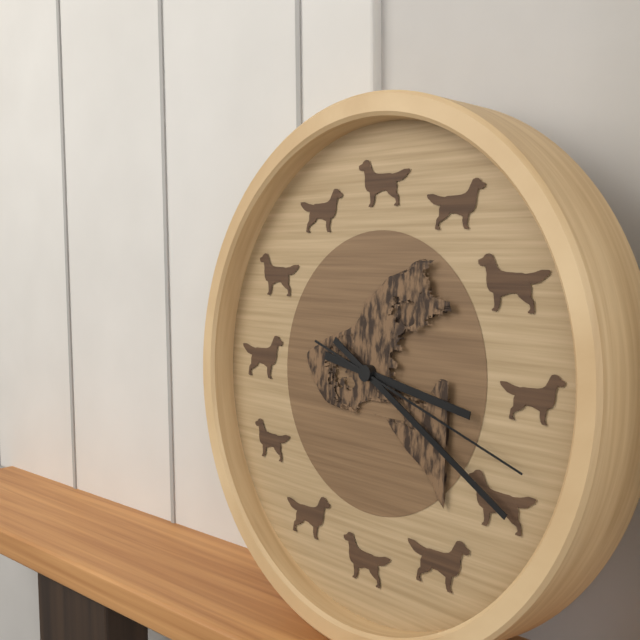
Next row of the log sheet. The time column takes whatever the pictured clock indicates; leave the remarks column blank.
3:20:18
